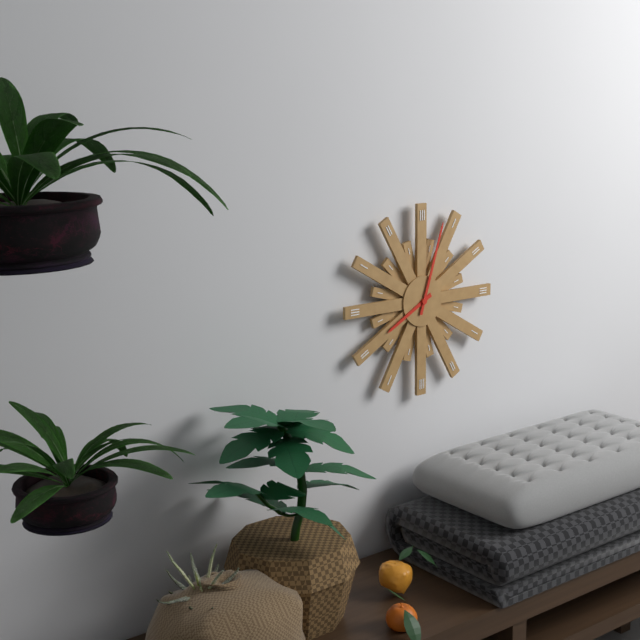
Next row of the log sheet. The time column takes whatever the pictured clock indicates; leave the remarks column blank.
8:03
